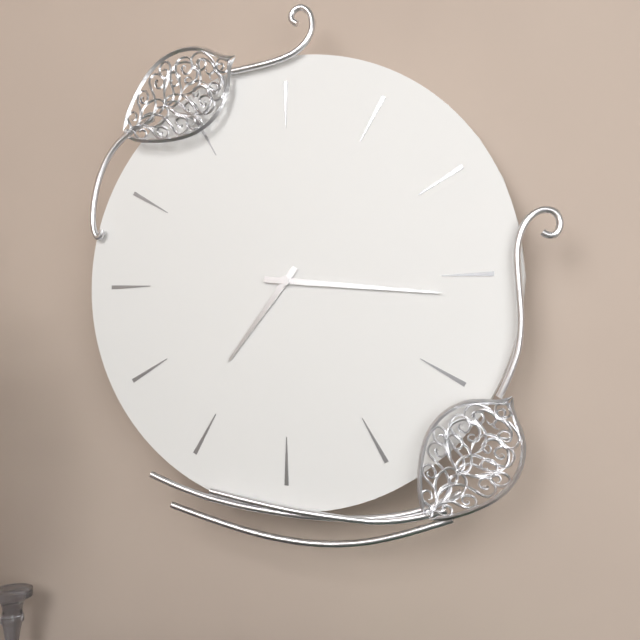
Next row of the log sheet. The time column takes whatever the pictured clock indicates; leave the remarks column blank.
7:16
